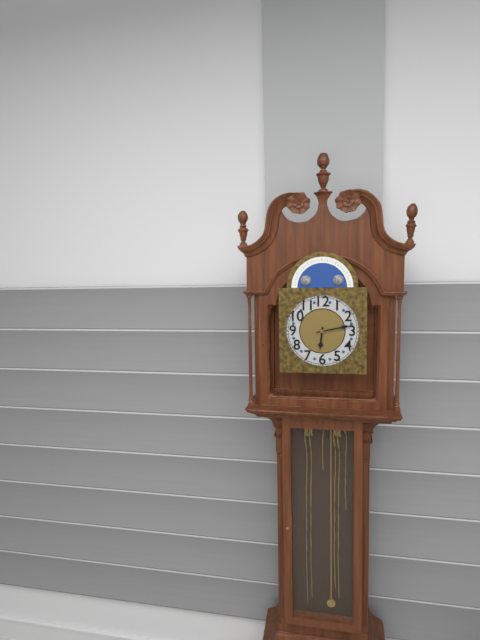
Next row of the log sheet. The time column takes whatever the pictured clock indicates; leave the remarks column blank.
6:13
